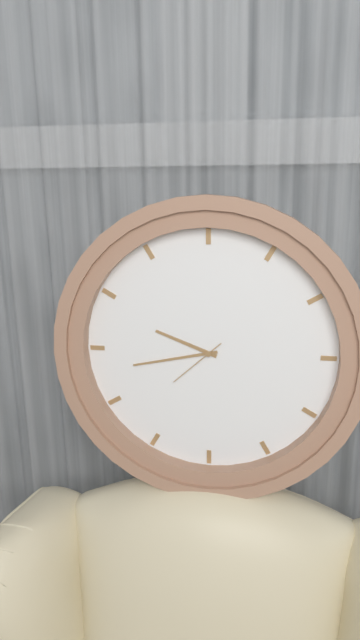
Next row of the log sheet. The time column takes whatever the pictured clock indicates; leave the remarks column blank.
9:43:38
